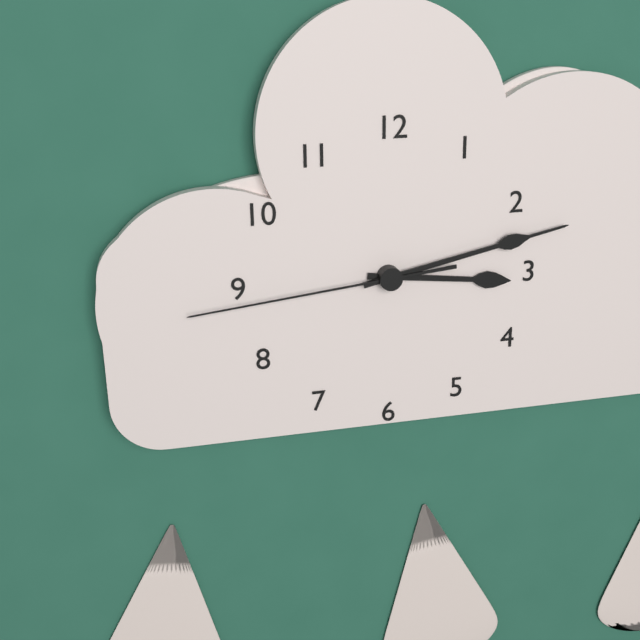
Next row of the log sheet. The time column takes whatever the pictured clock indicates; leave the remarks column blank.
3:13:44
